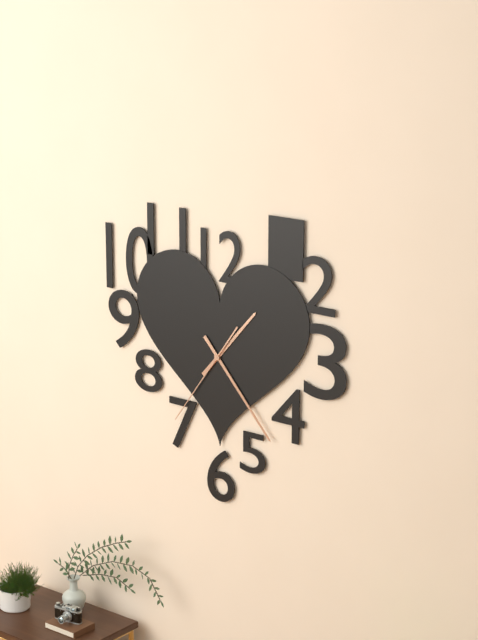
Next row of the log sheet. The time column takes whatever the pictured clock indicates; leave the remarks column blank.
1:23:36
